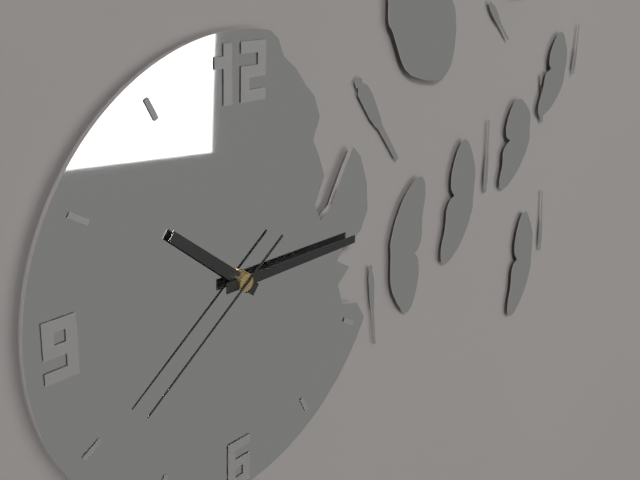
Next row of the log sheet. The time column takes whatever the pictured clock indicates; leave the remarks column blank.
10:15:39
